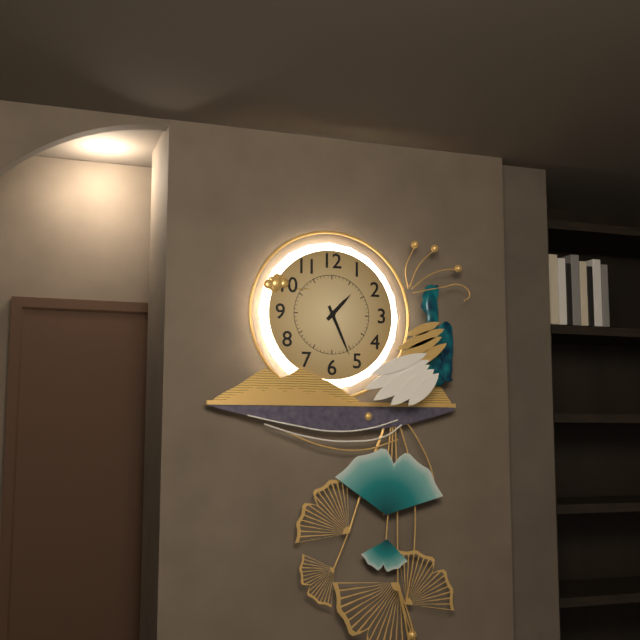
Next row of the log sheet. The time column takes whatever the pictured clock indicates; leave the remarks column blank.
1:26
